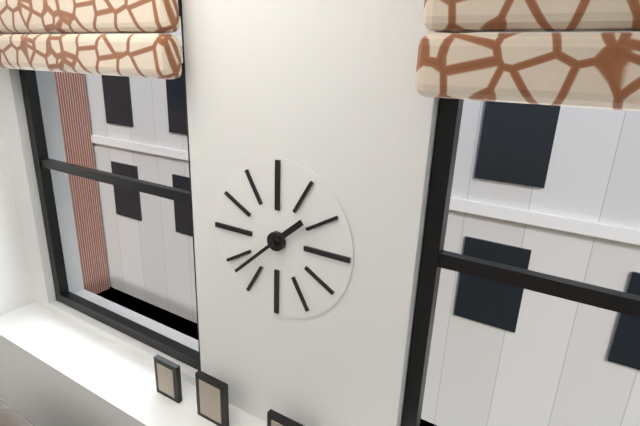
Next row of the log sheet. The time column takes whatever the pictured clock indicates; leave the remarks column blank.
1:38
